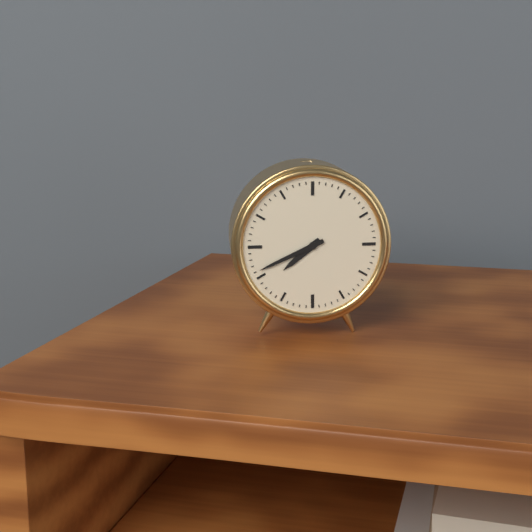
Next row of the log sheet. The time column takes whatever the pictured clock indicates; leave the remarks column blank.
7:41
